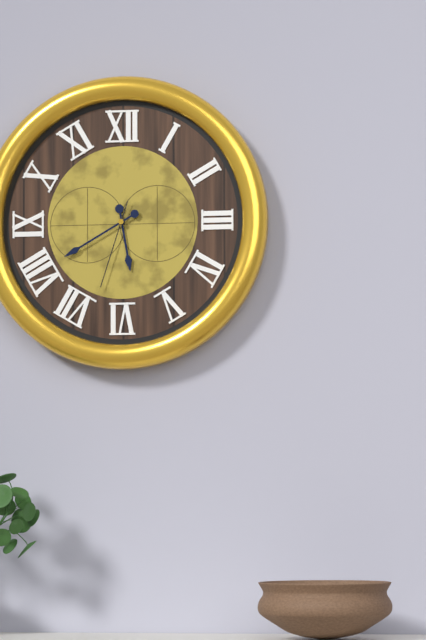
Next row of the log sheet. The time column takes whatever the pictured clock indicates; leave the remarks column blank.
5:40:33
